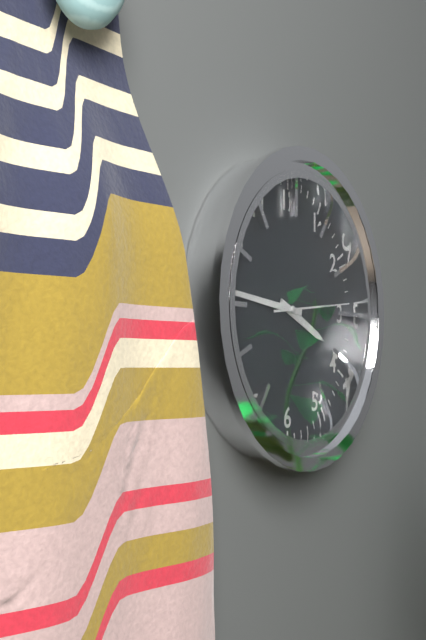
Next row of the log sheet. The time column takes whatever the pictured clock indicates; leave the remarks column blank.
3:46:14
